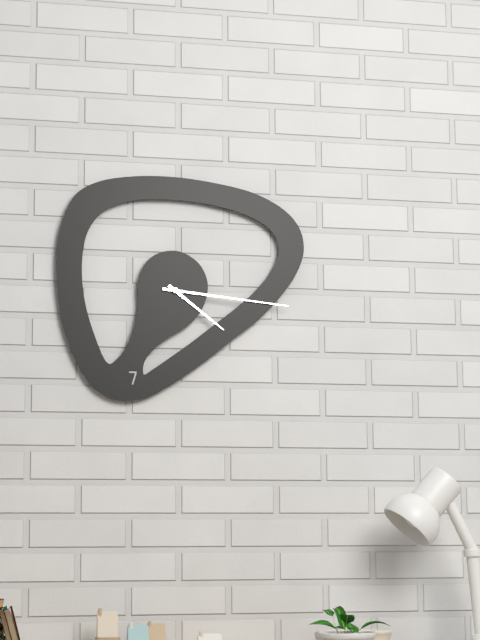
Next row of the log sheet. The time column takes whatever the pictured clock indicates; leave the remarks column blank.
4:16
